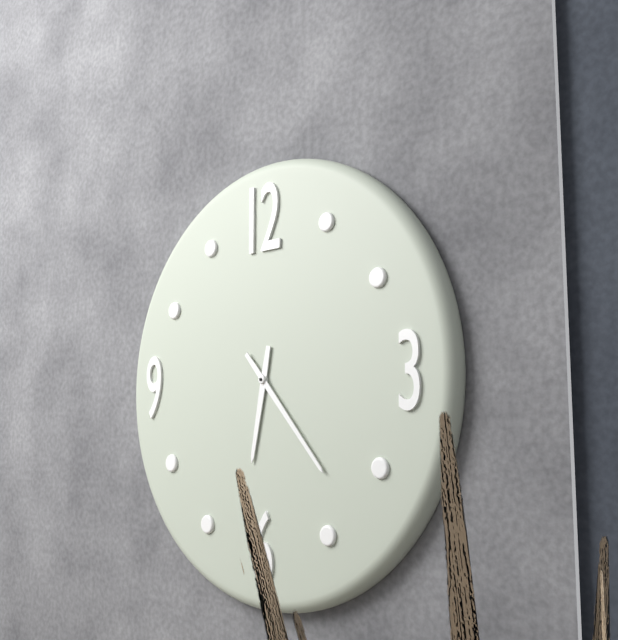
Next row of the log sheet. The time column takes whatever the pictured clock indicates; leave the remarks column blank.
6:23
